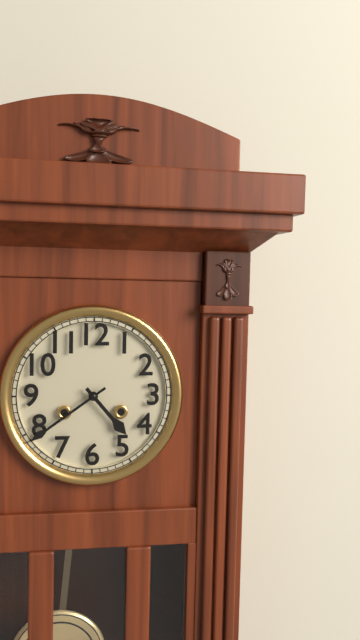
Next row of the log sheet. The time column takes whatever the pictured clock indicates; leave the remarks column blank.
4:39
